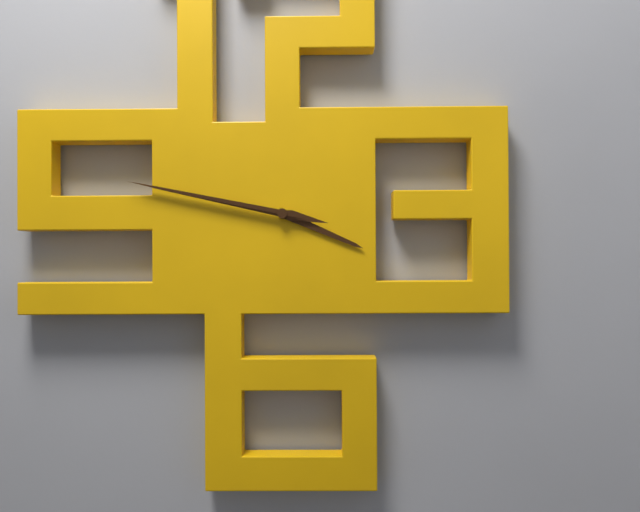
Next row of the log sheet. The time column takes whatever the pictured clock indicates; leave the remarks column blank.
3:47:47
